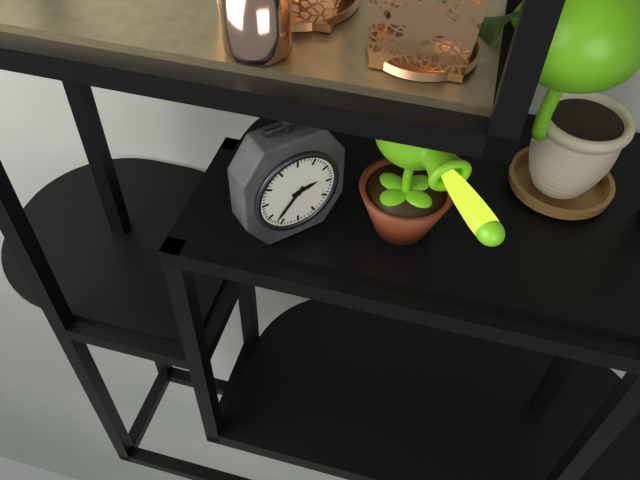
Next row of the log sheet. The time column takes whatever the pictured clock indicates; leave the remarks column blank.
2:37
